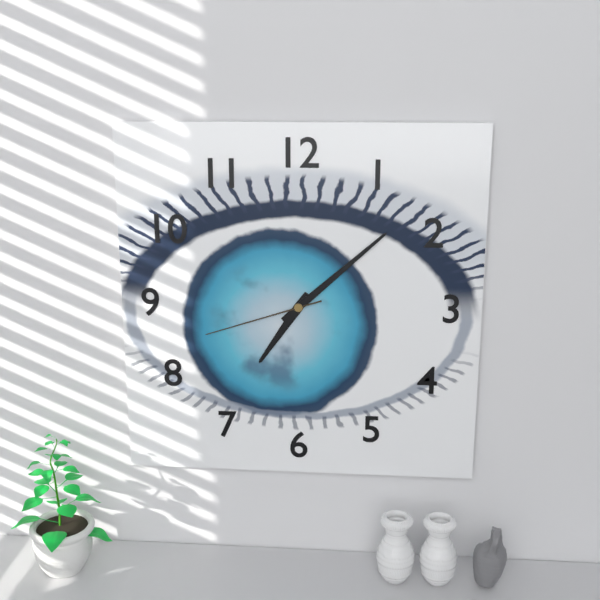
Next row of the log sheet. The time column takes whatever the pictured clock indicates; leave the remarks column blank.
7:08:42
